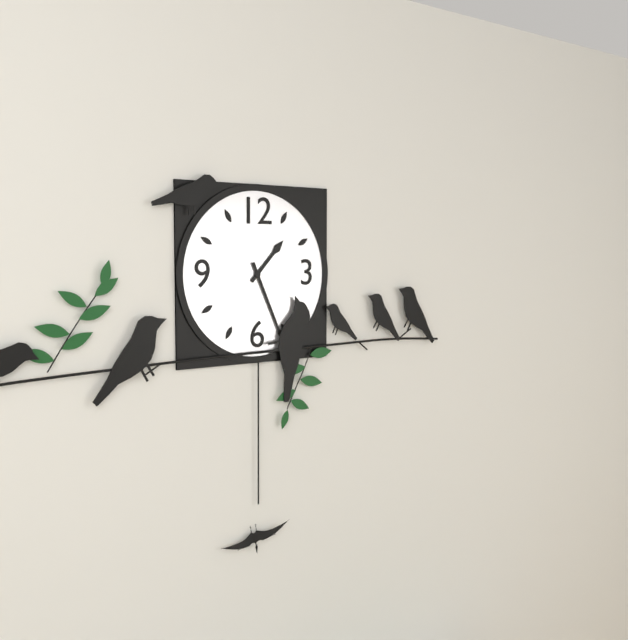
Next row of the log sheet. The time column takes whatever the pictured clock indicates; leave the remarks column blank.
1:26
